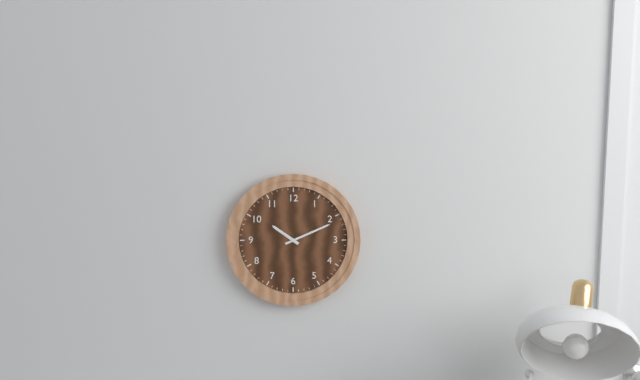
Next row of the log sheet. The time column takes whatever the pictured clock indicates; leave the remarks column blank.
10:11
